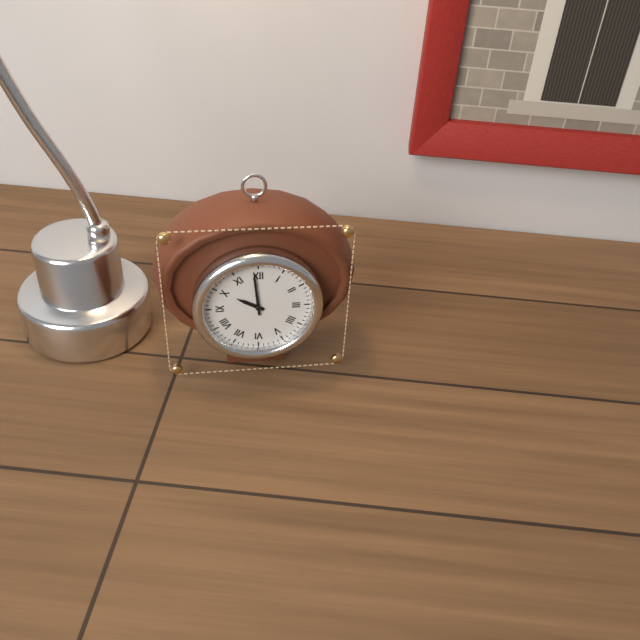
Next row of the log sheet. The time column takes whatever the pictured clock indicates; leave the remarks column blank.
9:59
